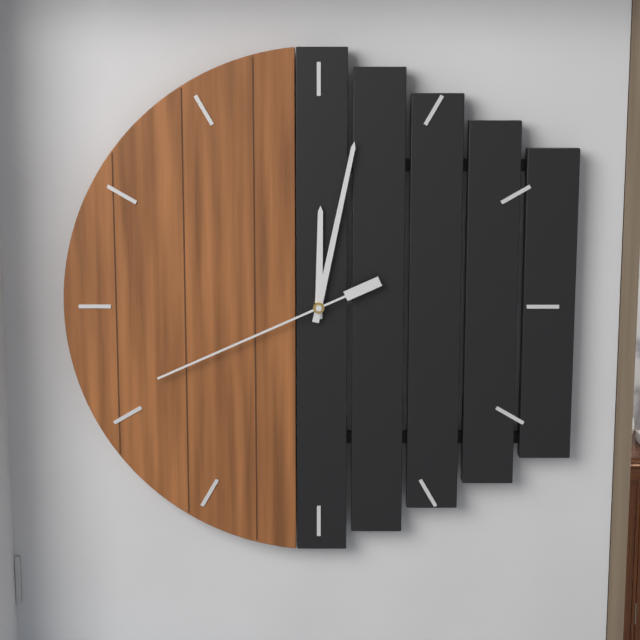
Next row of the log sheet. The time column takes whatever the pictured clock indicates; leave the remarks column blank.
12:02:41
